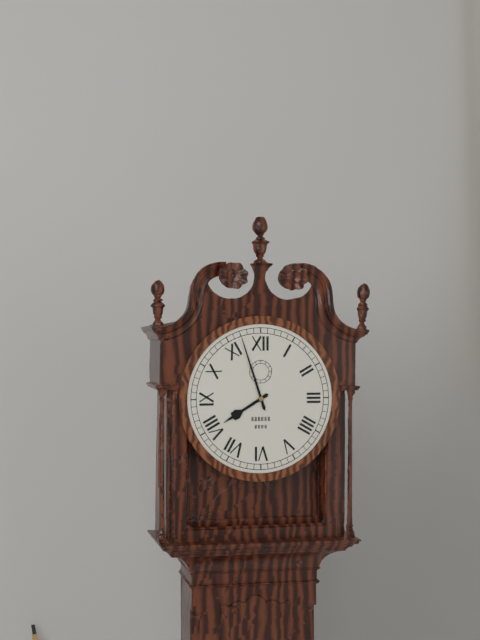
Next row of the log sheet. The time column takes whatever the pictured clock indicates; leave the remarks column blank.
7:57
